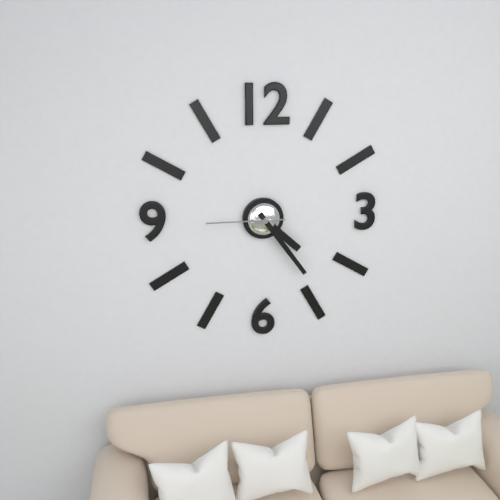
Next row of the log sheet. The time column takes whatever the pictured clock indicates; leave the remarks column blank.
4:24:45
